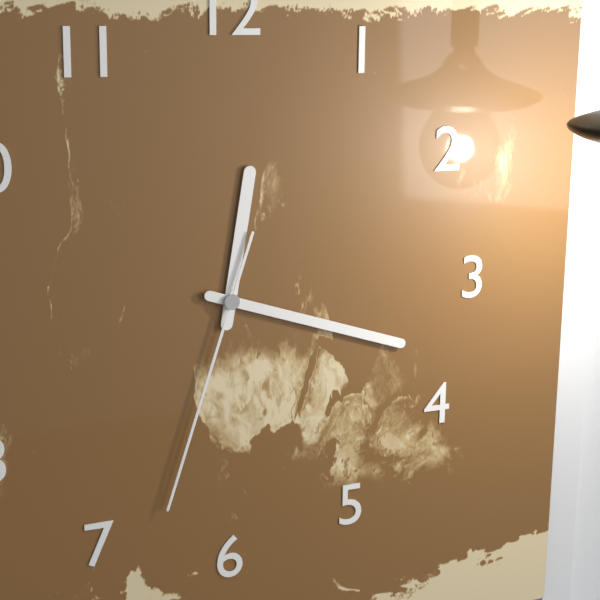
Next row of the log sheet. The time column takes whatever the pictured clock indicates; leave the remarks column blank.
12:18:33
